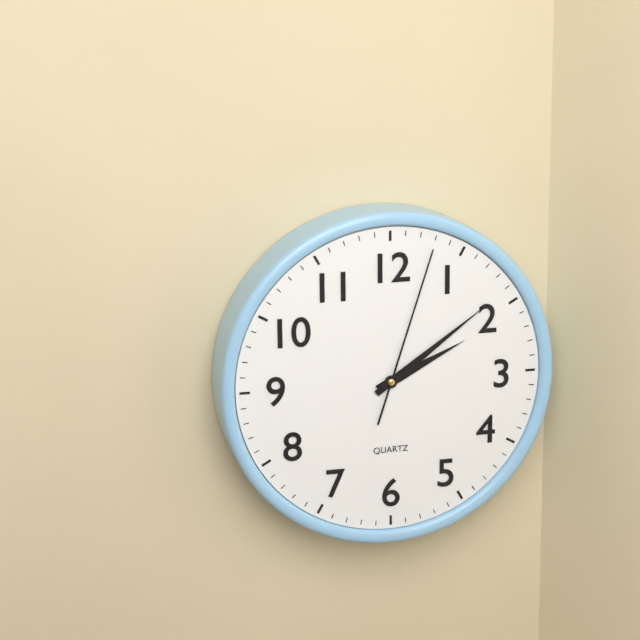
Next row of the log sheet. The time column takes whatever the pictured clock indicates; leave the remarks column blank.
2:09:03
